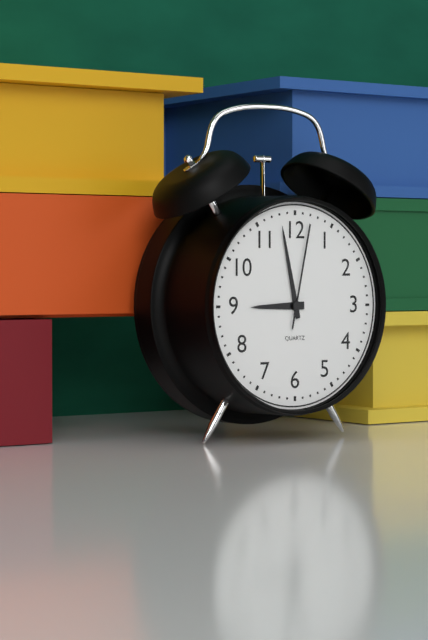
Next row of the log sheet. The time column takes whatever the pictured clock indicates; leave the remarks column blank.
8:58:02
